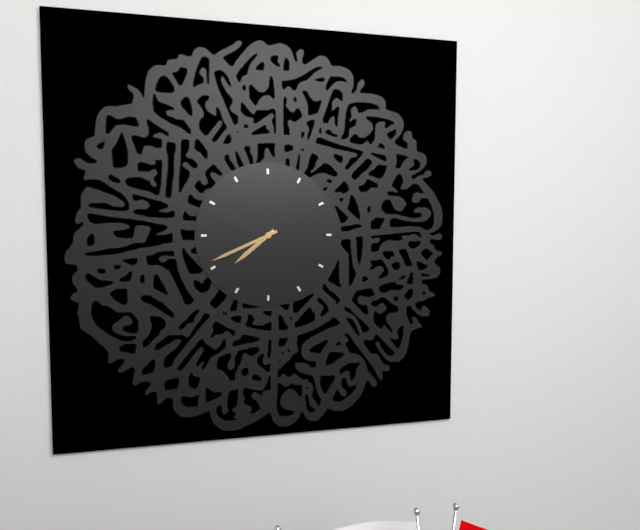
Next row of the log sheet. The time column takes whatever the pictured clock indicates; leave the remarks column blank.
7:41
